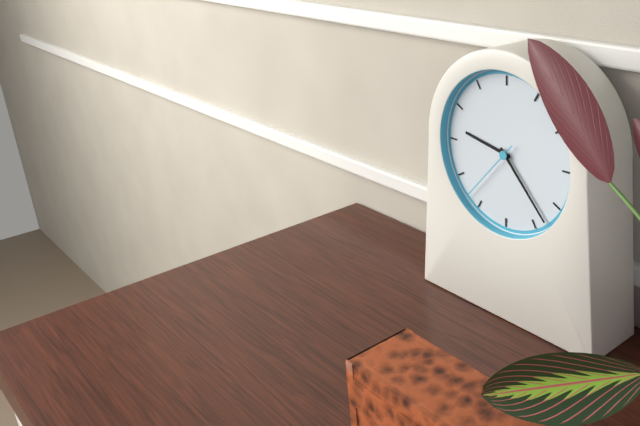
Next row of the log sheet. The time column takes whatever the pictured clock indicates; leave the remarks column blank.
9:23:37
